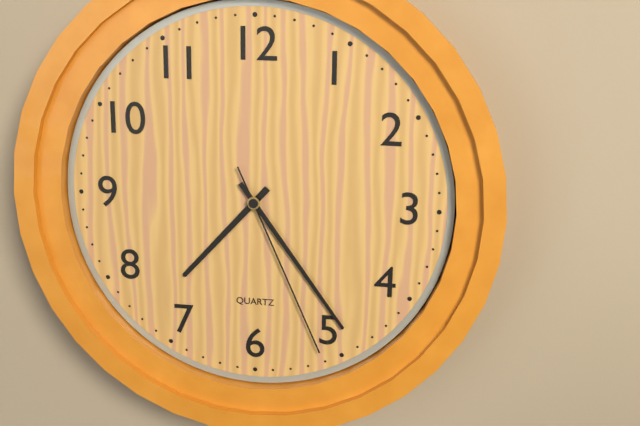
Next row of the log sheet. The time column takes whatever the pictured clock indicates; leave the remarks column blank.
7:24:26
